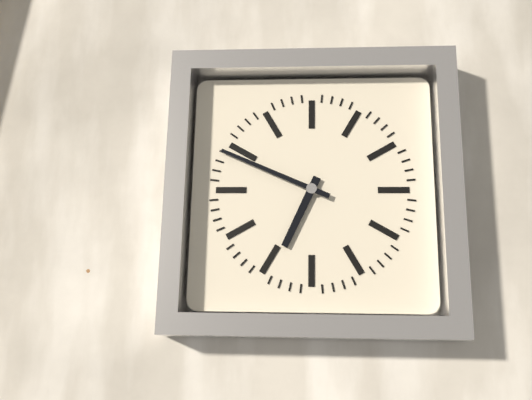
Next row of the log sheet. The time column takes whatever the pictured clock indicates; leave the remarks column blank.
6:49
